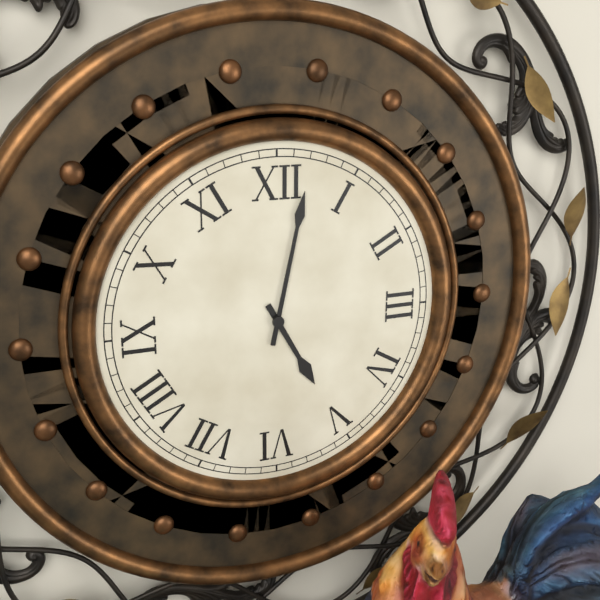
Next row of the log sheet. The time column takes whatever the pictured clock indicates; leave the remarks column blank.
5:02
